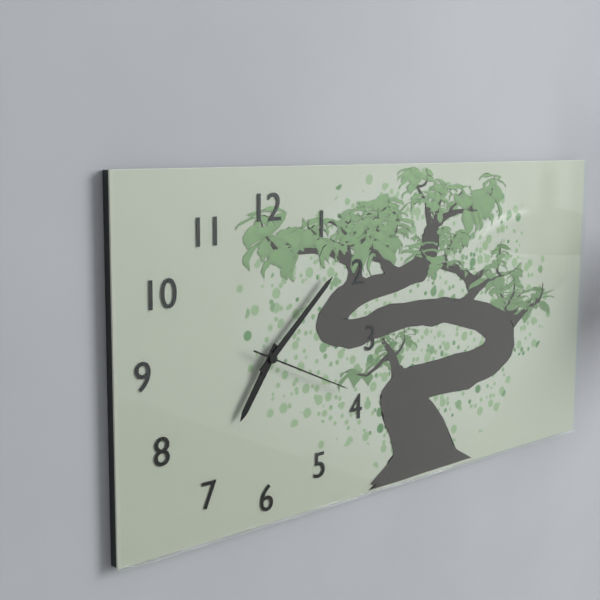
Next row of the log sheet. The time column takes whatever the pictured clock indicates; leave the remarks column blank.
7:08:19
